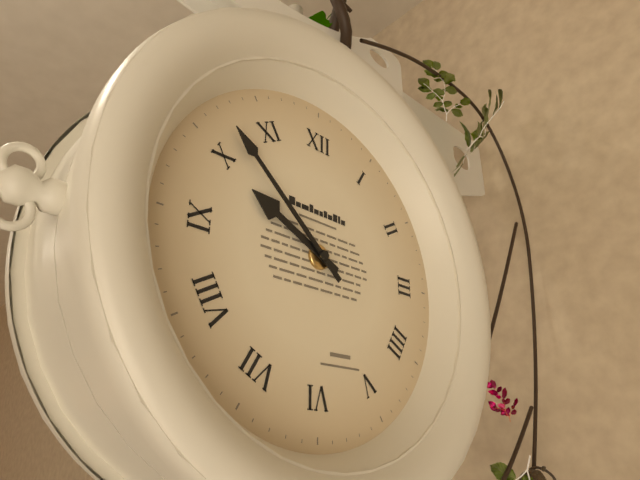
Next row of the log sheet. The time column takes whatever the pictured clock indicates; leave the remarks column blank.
9:52
